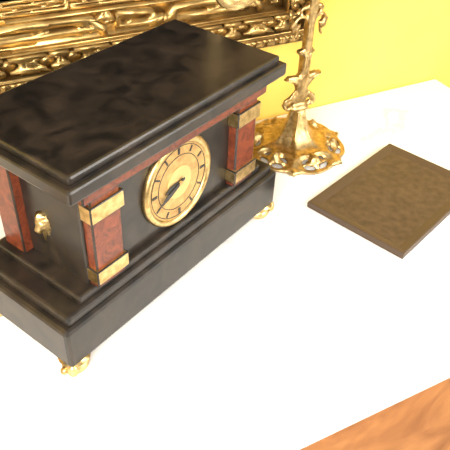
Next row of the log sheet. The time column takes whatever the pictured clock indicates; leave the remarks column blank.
8:41
